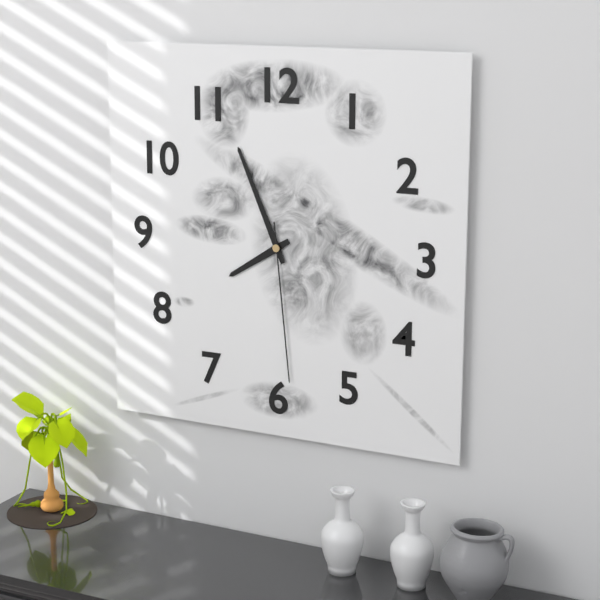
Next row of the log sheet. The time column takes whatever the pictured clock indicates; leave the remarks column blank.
7:56:29
